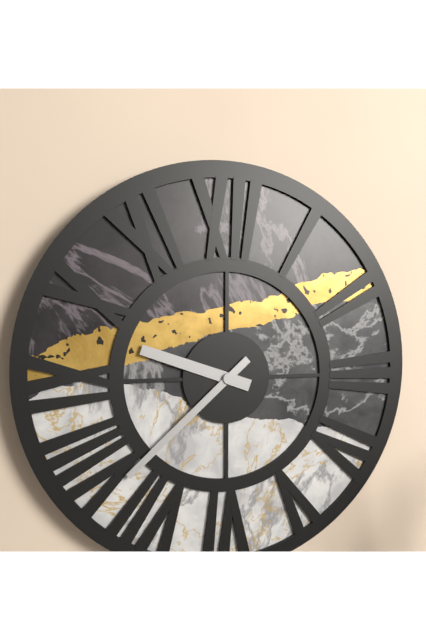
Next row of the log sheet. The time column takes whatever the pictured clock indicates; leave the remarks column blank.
9:38
